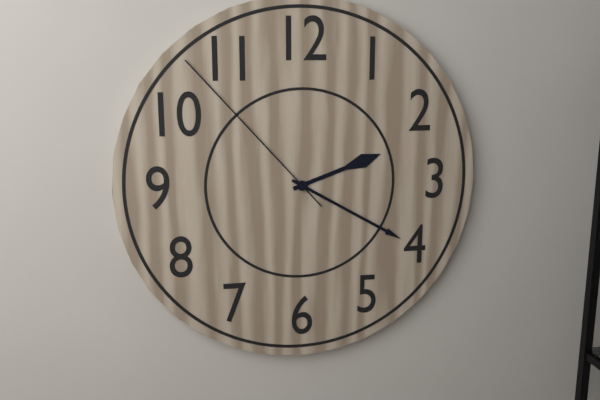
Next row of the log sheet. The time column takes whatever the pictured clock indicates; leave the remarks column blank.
2:20:53
